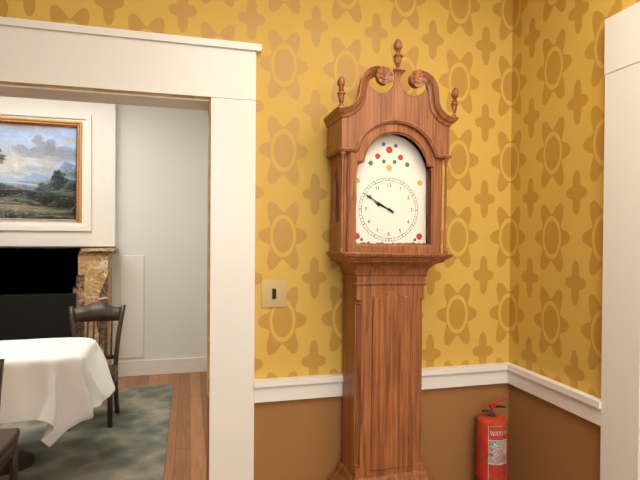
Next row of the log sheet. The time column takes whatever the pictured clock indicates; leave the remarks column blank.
9:50
